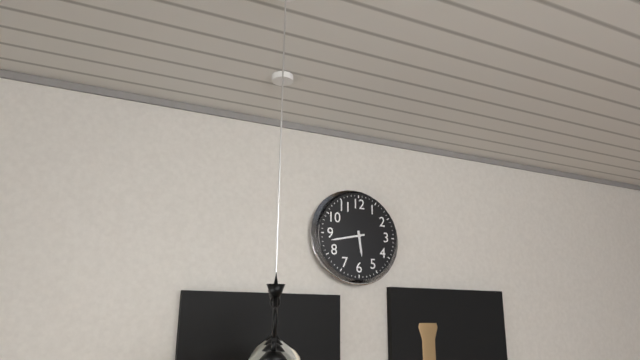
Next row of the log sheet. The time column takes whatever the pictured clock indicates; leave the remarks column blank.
5:43
